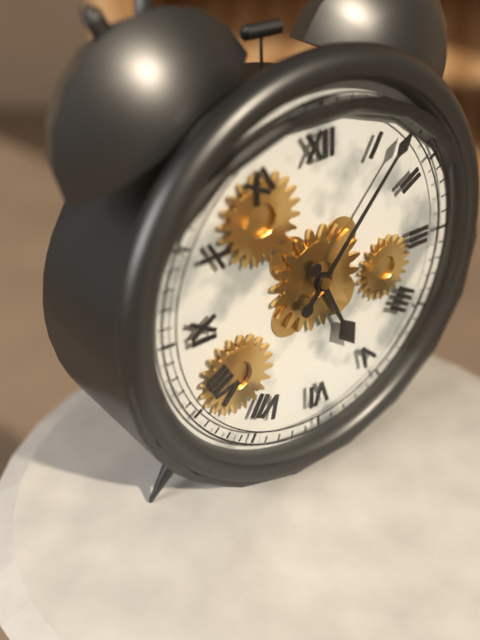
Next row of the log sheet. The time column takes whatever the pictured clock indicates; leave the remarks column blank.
5:07
